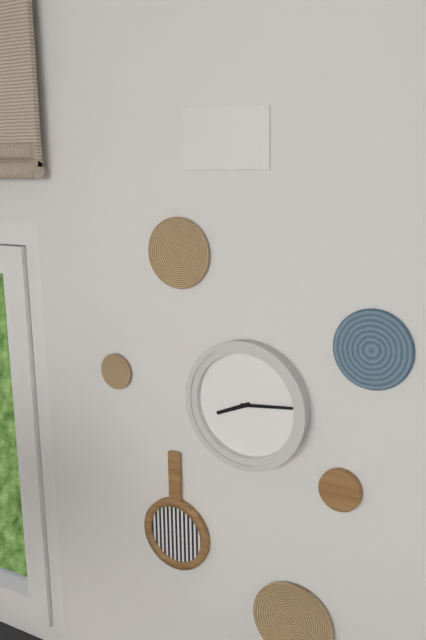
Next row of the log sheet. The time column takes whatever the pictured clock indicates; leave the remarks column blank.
8:14
